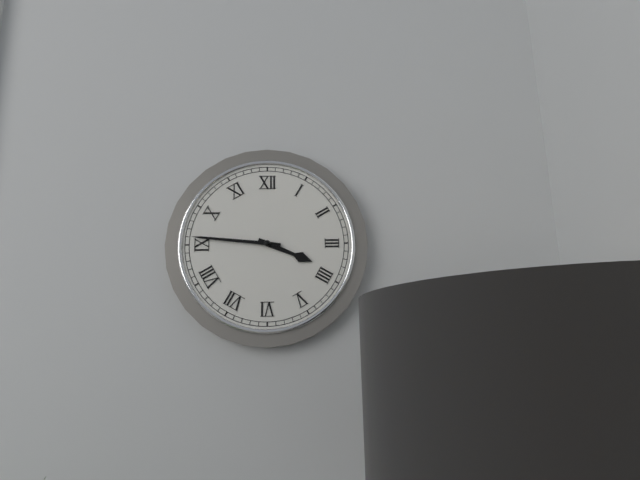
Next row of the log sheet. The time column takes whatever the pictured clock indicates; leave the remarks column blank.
3:46
